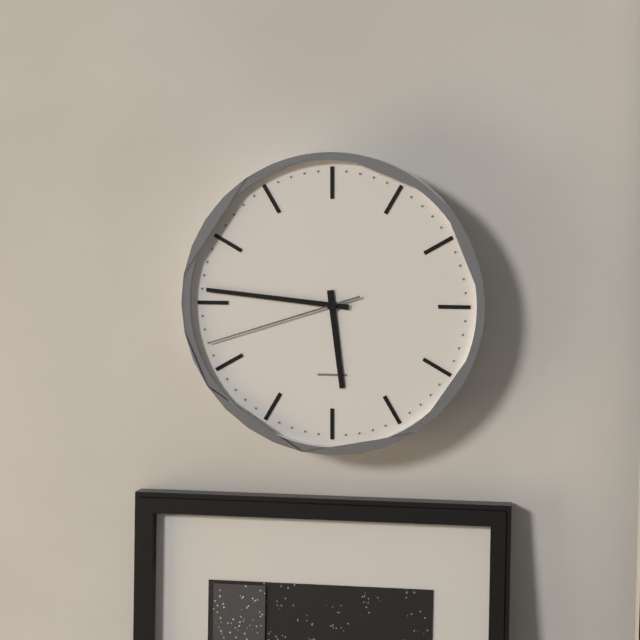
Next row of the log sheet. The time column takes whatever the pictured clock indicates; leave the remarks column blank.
5:46:42
